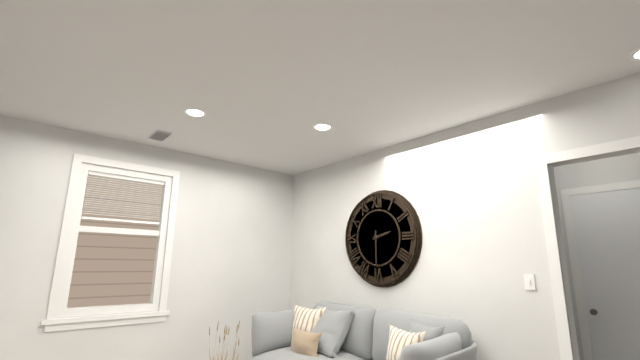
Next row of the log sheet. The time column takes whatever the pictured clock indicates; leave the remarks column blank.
2:30
